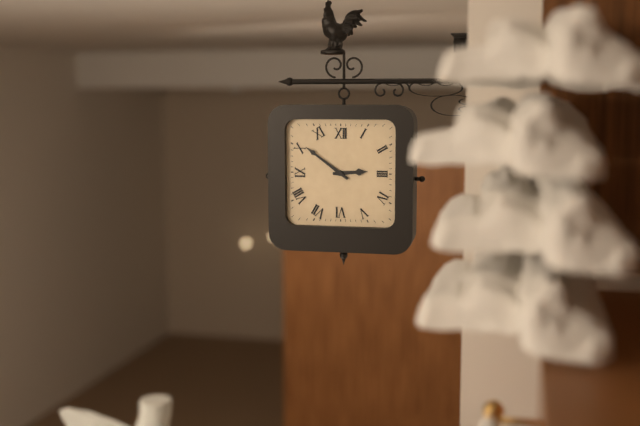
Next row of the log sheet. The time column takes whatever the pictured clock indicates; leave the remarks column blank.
2:51
